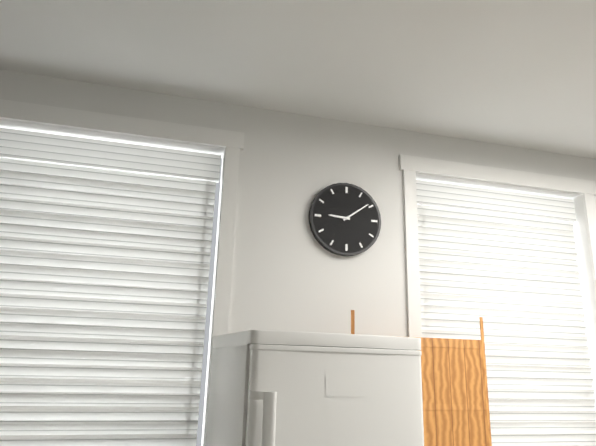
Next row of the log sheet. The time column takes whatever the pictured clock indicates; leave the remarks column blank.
9:09
